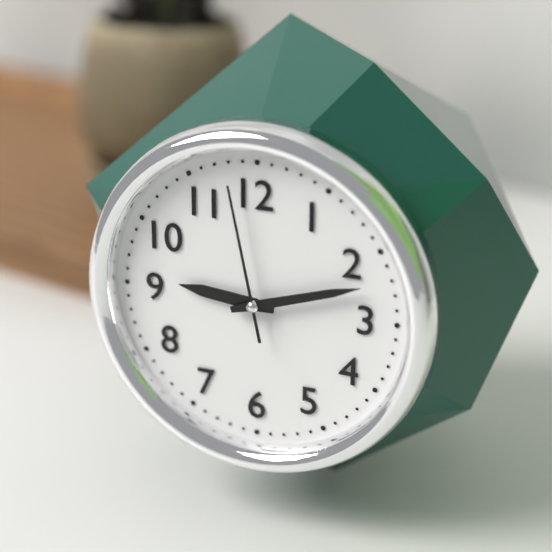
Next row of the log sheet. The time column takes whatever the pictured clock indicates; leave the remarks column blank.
9:12:58
